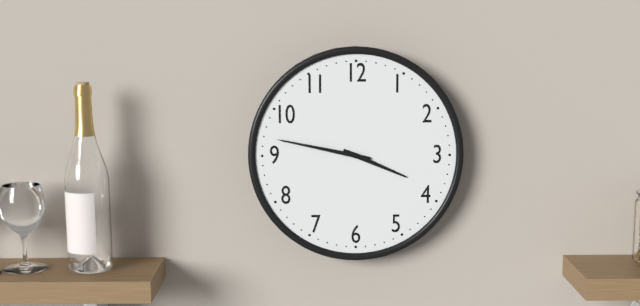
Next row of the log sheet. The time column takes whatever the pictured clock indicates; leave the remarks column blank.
3:47
